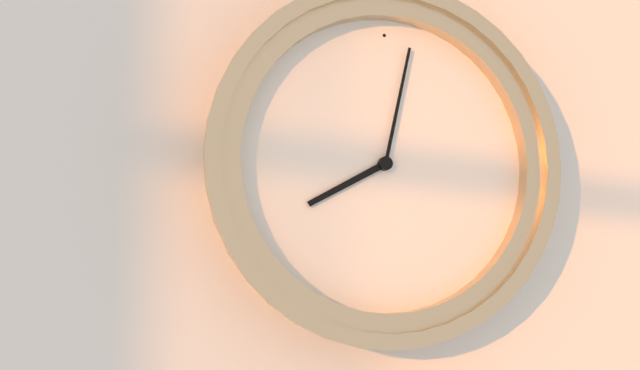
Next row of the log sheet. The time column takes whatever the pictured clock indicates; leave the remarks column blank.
8:02
